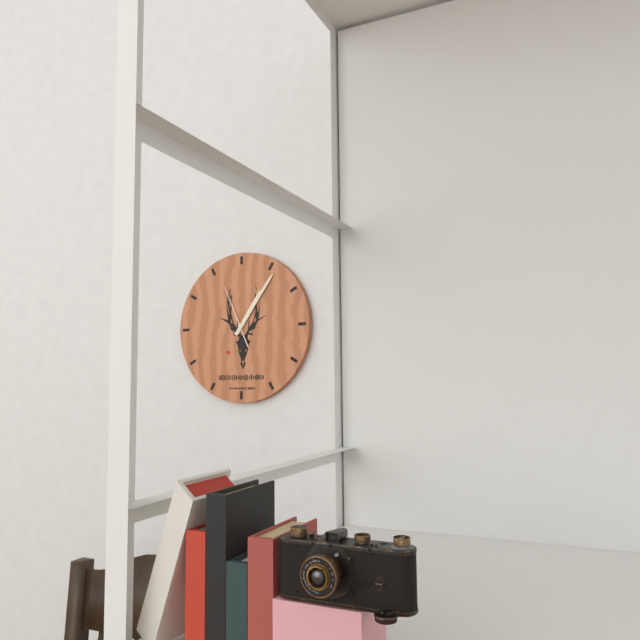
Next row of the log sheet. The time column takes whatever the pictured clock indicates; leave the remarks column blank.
1:06:56
